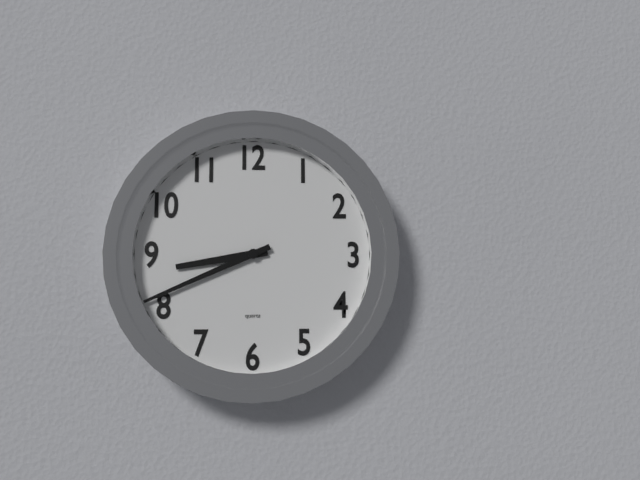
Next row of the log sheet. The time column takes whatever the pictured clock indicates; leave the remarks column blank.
8:41
